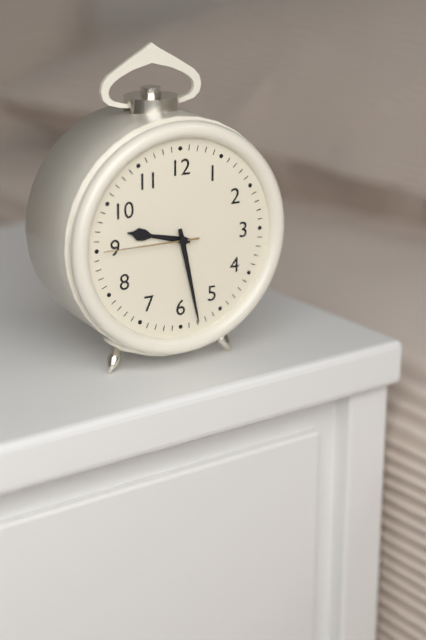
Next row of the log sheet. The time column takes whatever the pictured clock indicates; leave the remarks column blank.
9:28:45
